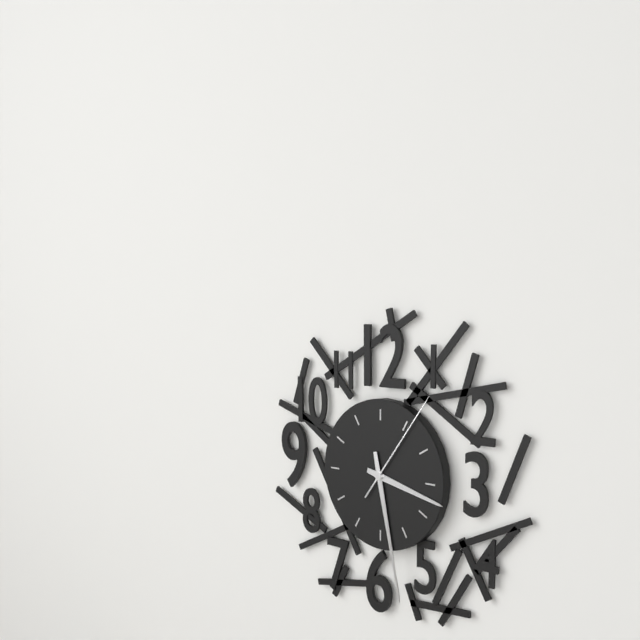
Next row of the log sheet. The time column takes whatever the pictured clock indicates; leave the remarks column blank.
3:28:06
